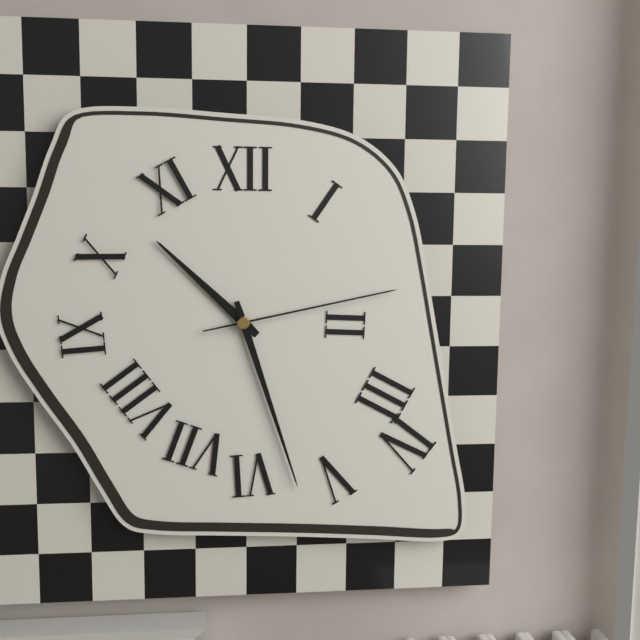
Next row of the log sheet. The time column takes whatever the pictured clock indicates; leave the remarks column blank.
10:27:13
